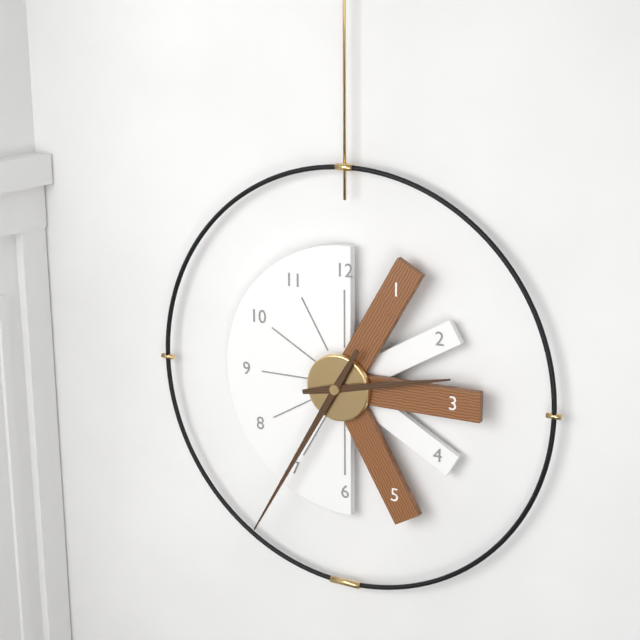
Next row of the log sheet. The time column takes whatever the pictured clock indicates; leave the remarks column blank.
2:35
